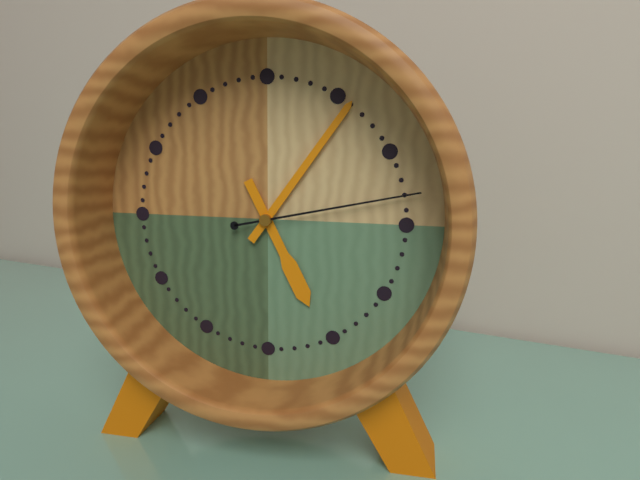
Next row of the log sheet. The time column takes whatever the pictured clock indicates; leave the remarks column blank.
5:06:13
